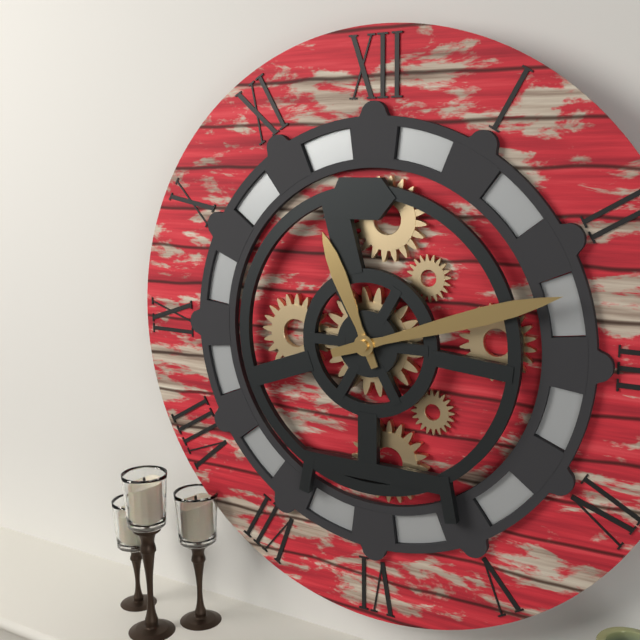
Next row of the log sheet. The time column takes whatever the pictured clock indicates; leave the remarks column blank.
11:12
